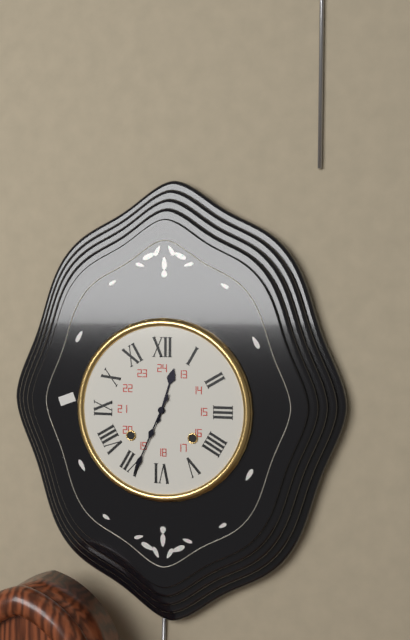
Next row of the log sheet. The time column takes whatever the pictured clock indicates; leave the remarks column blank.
12:34
